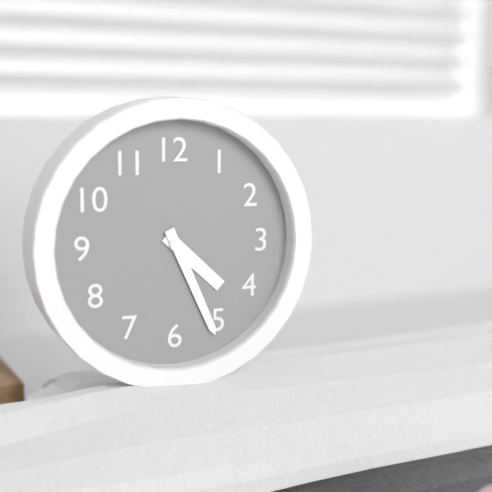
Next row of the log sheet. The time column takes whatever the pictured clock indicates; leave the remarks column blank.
4:26
